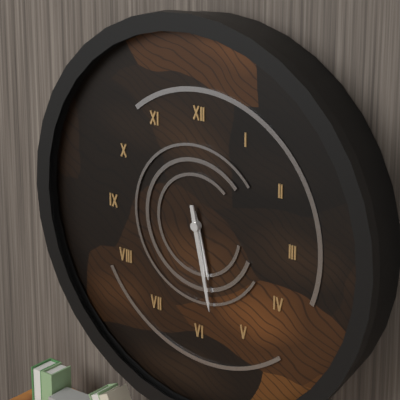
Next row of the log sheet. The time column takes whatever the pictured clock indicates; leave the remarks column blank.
5:28
